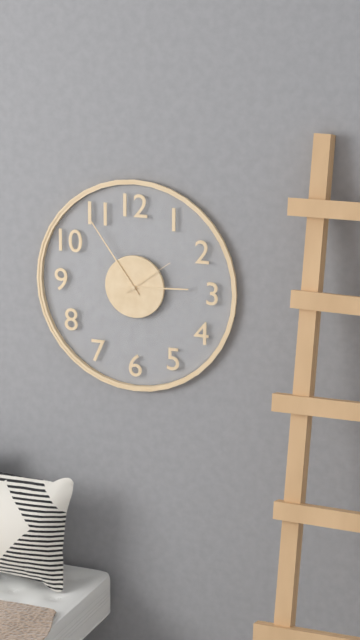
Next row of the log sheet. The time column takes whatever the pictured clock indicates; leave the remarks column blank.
2:54:09
